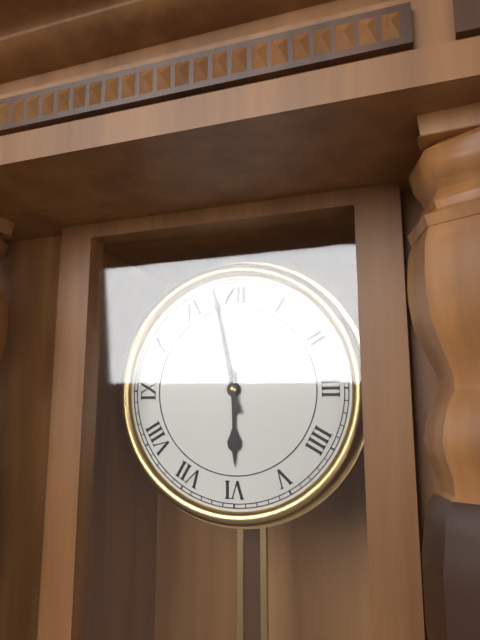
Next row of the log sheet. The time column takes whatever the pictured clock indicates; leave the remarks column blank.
5:58
